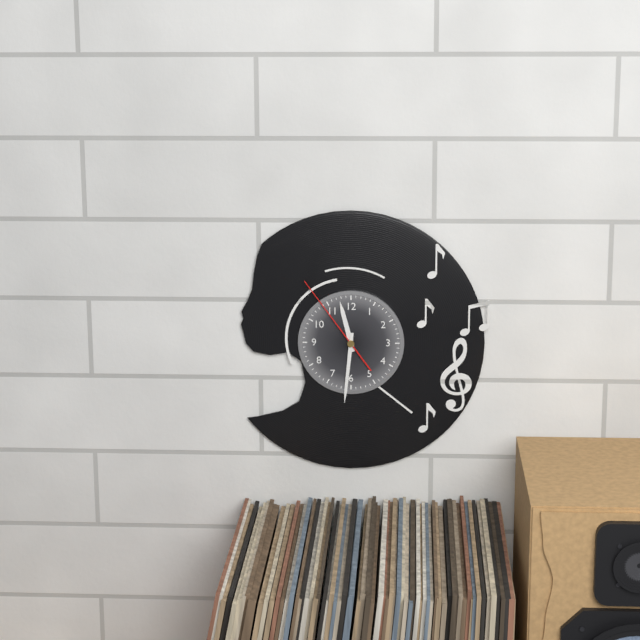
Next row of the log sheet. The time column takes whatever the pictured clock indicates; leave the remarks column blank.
11:31:54
